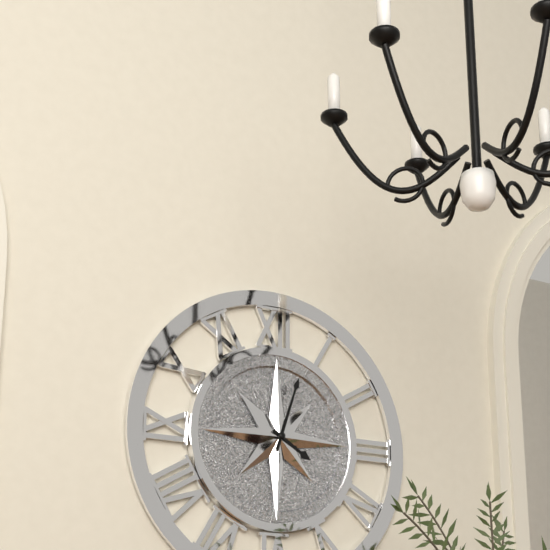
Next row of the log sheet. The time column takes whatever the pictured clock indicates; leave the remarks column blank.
4:03
